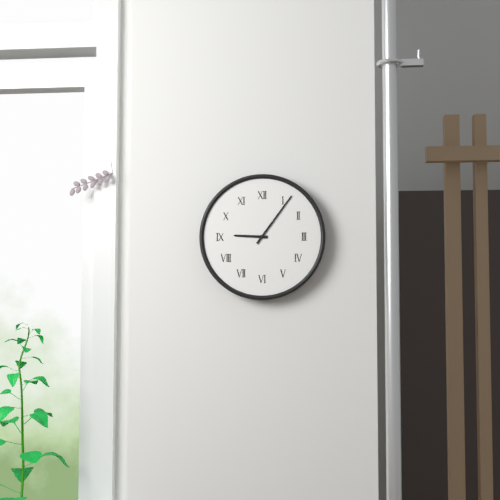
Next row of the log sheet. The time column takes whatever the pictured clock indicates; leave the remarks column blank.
9:06
